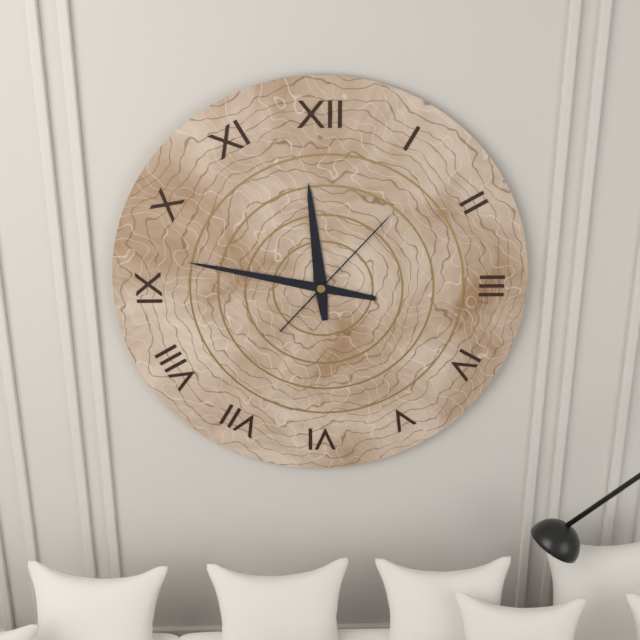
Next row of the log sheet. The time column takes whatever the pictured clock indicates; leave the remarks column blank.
11:47:07
